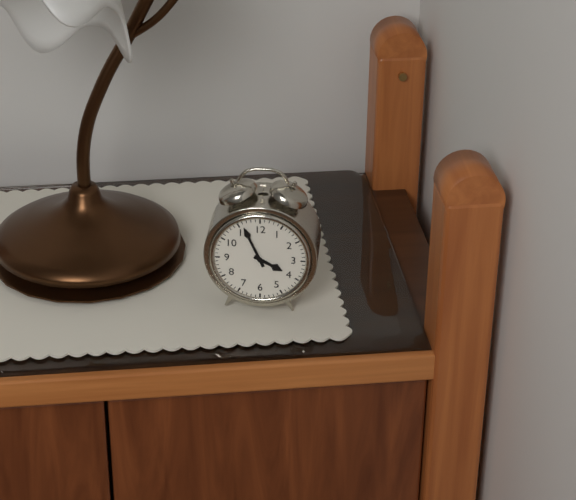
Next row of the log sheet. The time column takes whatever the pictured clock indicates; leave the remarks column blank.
3:56
